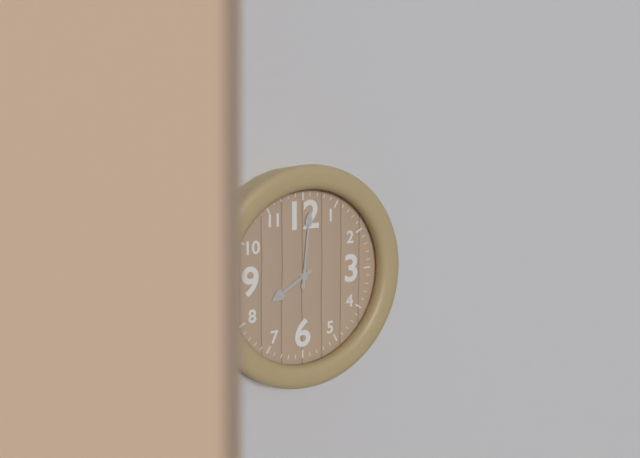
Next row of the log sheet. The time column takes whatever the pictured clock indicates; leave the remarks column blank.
8:01
